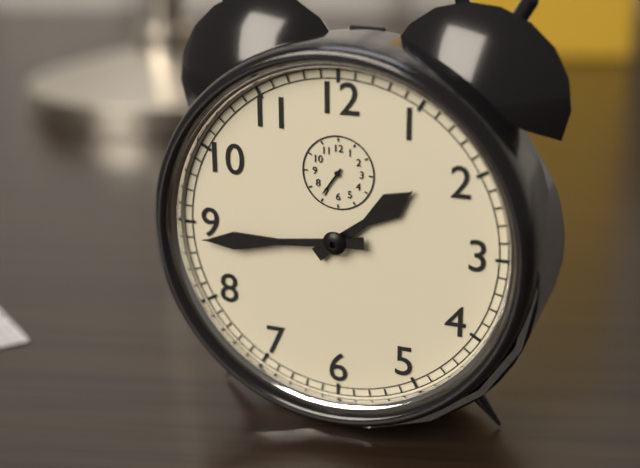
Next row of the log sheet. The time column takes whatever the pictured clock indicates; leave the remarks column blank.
1:44
